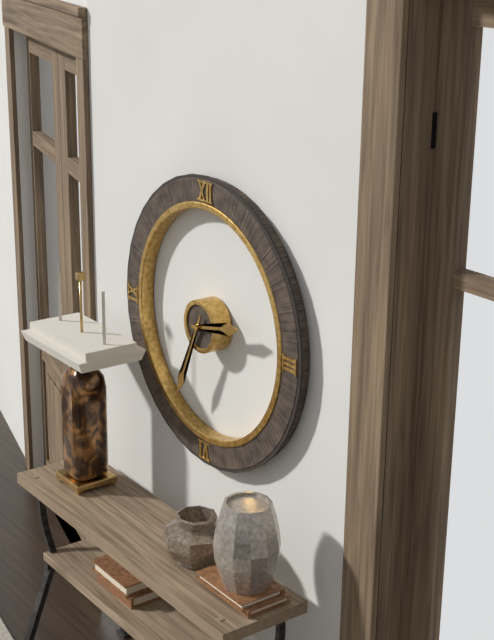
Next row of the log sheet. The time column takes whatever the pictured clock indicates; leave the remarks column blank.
2:34
